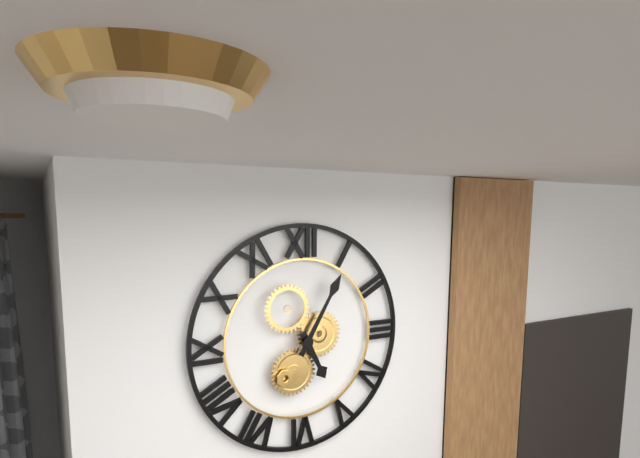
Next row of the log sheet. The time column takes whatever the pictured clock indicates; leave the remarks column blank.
5:05
